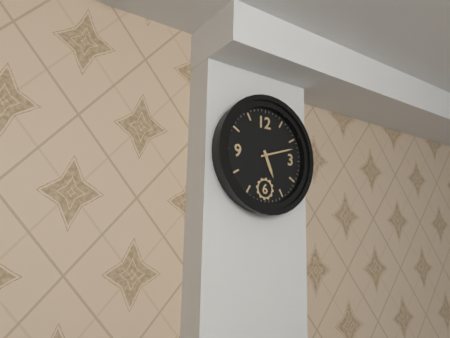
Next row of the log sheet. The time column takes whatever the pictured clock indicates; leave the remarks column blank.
5:12
